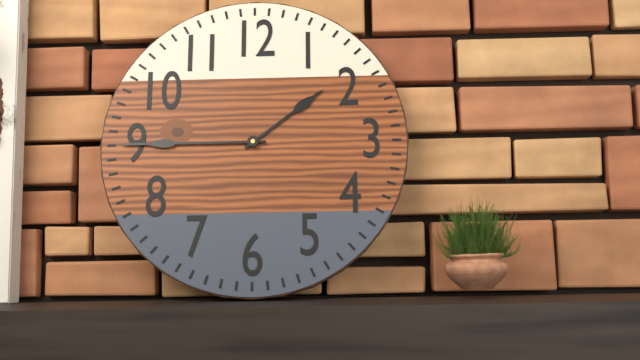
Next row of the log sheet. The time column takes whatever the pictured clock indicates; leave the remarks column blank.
1:45
